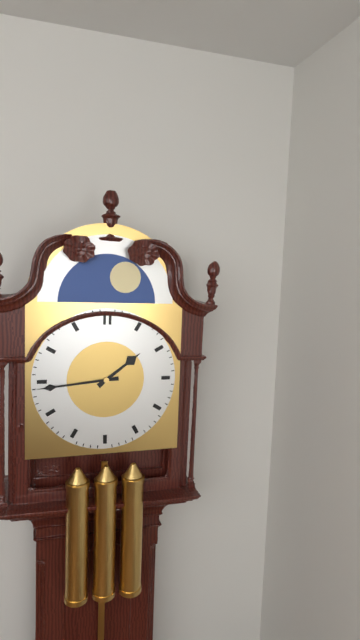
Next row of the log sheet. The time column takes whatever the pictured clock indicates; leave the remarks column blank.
1:44
